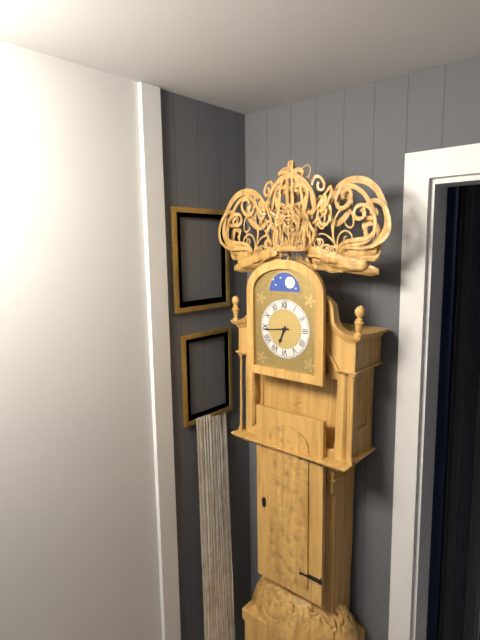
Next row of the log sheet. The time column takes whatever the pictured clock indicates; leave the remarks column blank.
6:44
